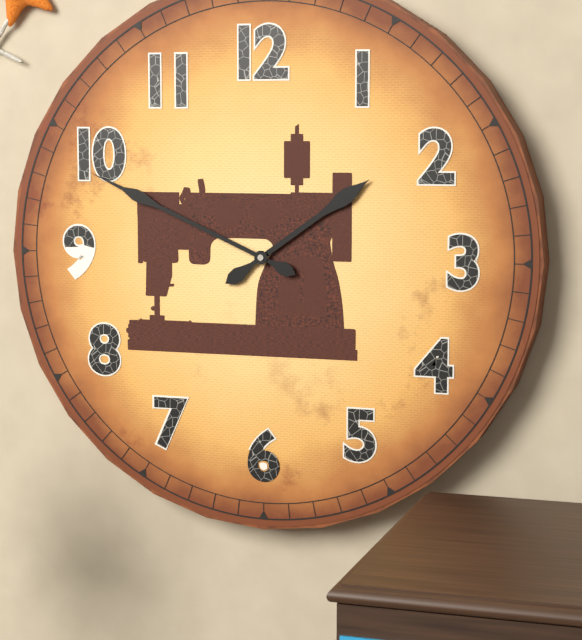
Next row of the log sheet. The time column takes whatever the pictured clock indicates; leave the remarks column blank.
1:49
